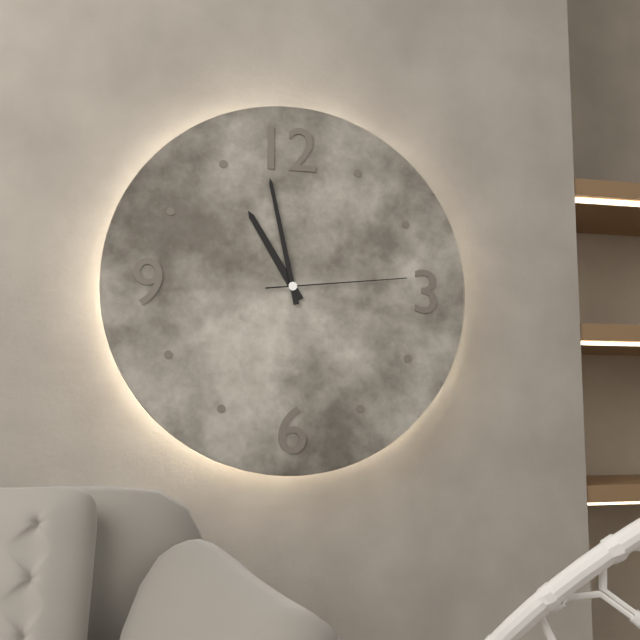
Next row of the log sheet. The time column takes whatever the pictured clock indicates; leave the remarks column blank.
10:58:14
